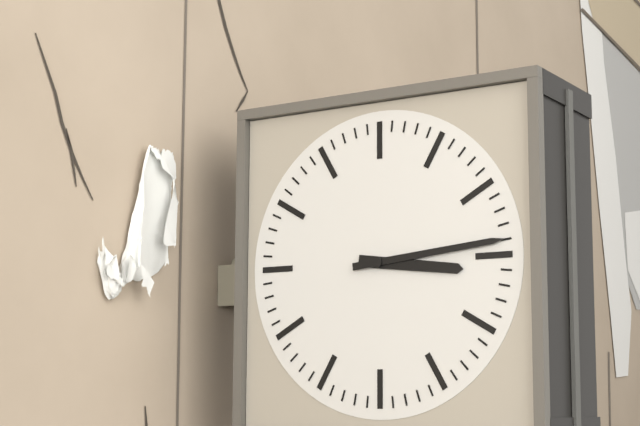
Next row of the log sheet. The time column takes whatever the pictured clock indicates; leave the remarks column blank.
3:14
